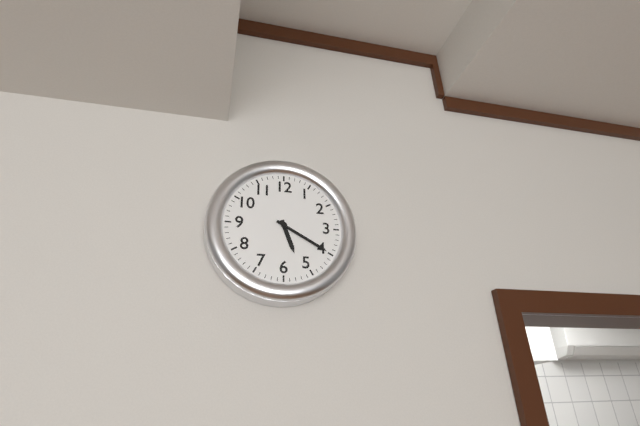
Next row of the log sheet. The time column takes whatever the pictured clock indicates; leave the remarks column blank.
5:20
